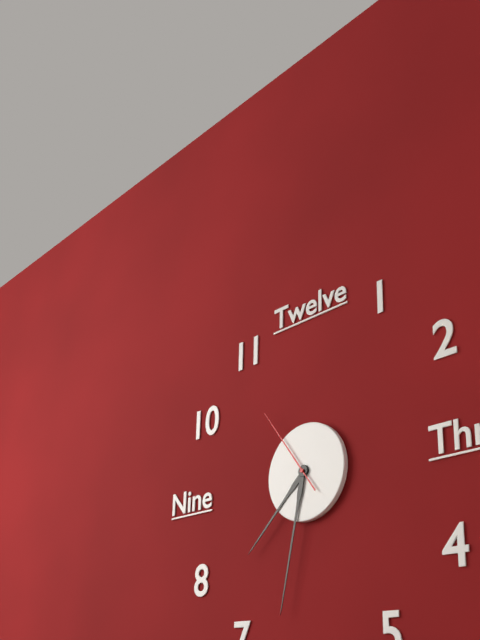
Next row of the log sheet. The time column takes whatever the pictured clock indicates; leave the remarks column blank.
7:32:54
